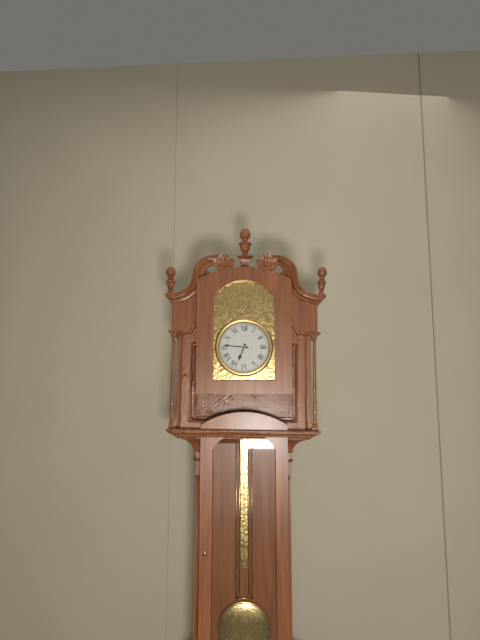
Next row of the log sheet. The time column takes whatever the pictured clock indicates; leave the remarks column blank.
6:46
